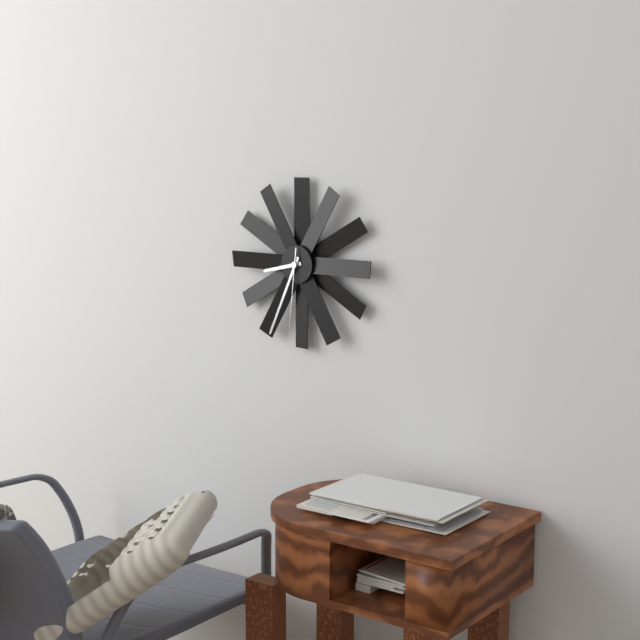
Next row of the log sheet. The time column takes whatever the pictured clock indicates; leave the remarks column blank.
8:34:31
